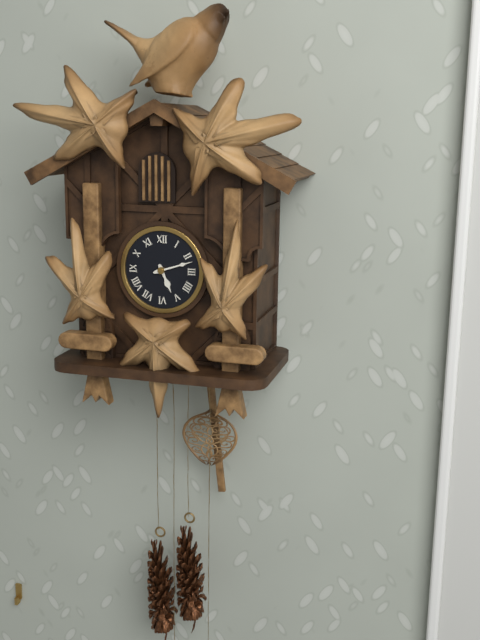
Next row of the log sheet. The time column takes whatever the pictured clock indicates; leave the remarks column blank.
5:12
